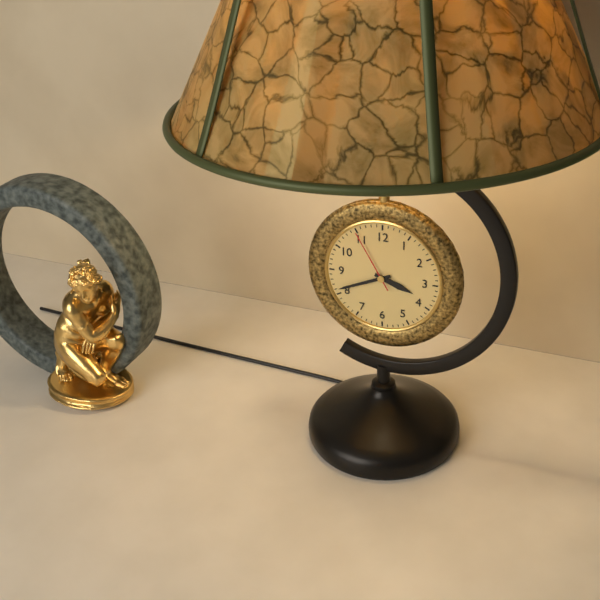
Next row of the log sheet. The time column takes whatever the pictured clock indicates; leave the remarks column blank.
3:41:55
